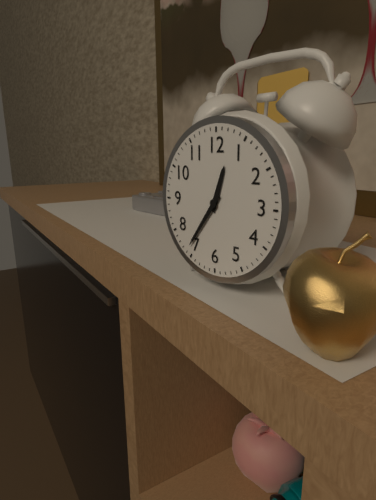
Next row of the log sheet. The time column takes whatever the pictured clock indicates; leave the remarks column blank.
12:36
